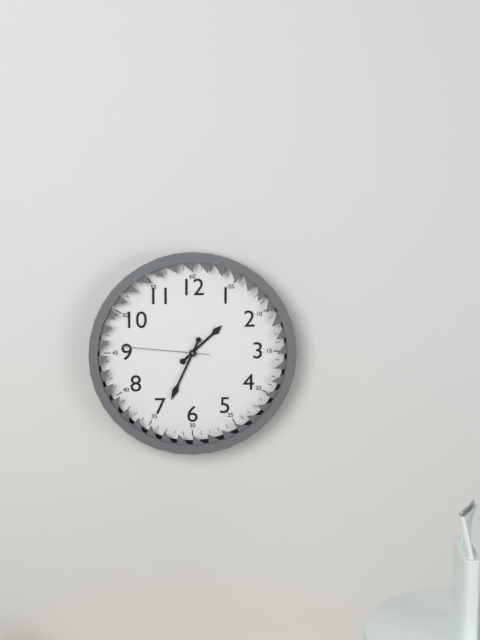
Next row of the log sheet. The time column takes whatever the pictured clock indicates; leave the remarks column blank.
1:34:46
